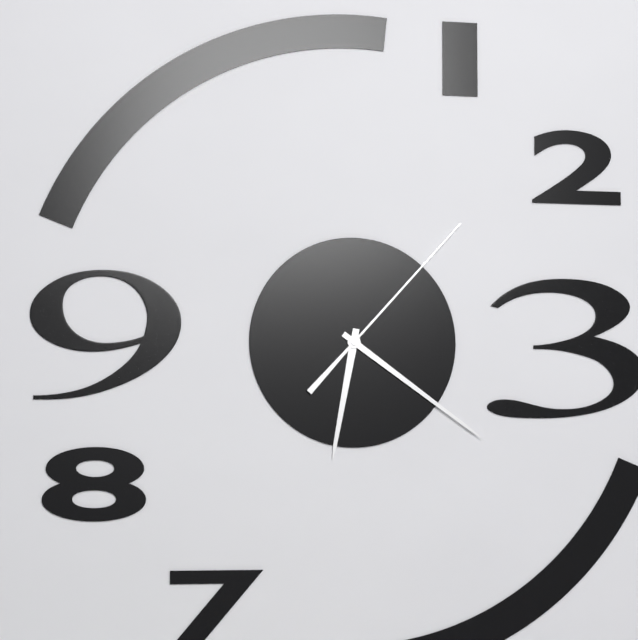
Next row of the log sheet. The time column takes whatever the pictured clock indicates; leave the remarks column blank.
6:21:07
